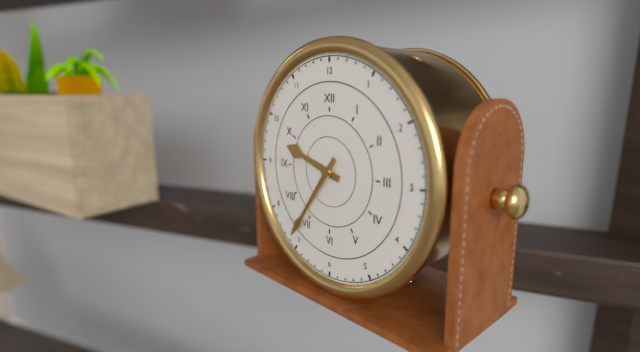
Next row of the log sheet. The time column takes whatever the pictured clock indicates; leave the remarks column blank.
9:36
